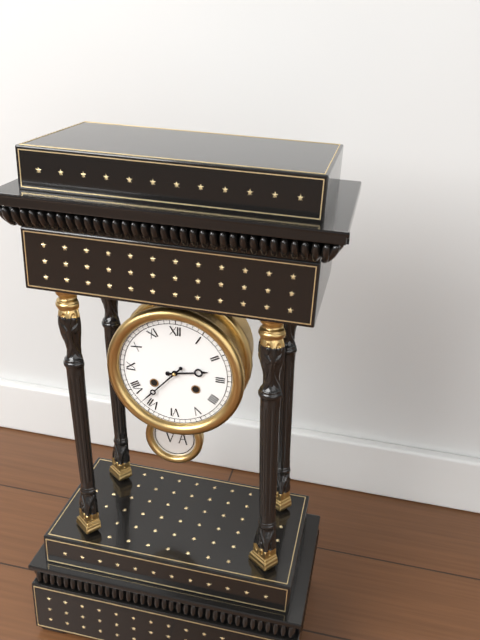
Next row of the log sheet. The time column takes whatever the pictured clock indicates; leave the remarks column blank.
2:37
